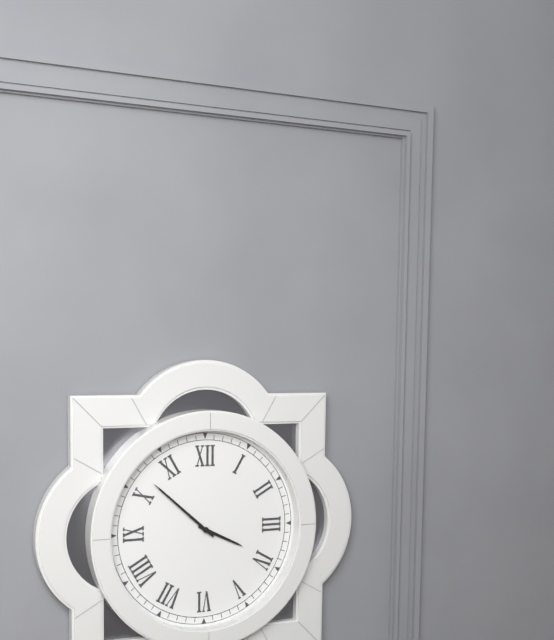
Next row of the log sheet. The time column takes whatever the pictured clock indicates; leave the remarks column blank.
3:52
